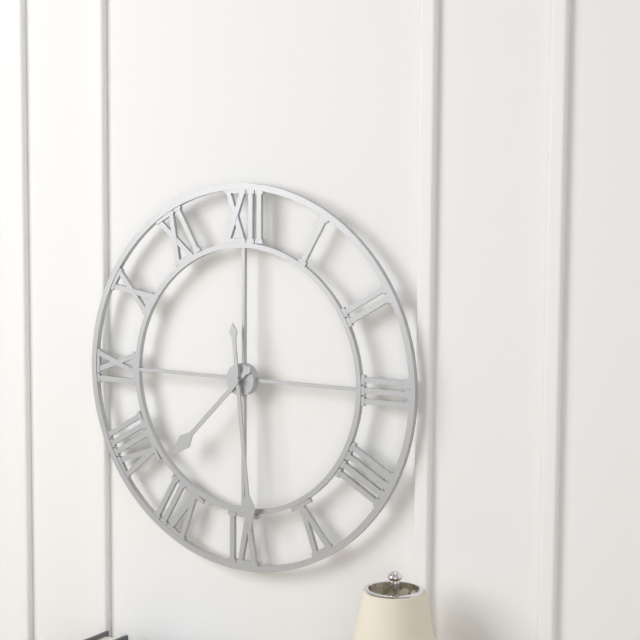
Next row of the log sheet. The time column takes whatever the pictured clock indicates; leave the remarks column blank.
7:29
